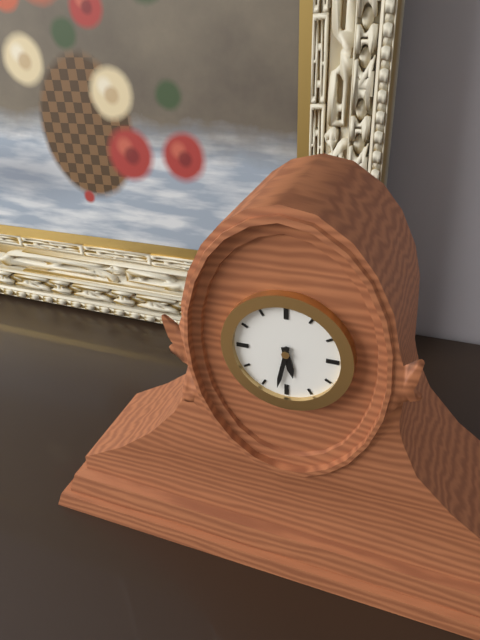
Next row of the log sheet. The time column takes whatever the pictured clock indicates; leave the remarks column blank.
5:32
